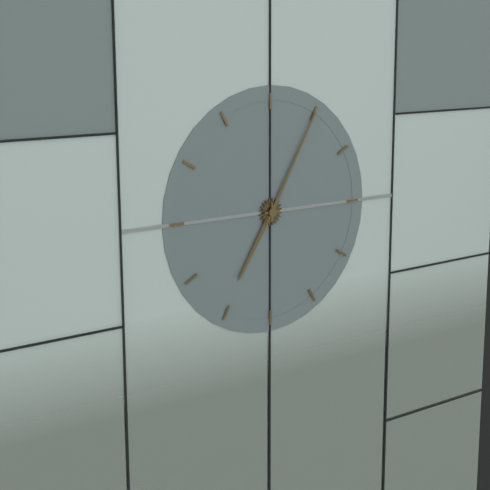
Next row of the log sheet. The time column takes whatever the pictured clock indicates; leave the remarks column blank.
7:05
